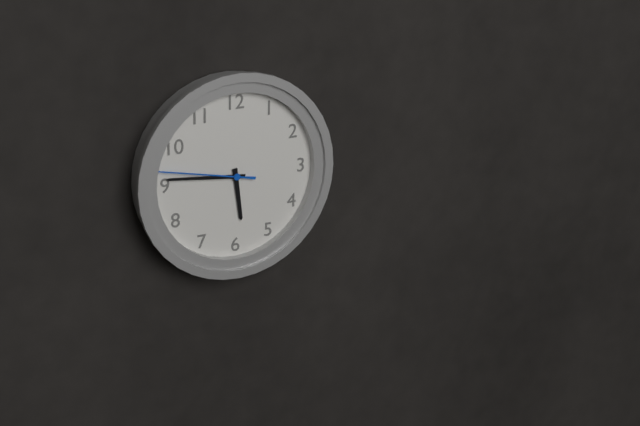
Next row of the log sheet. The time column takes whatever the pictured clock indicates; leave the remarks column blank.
5:46:47
